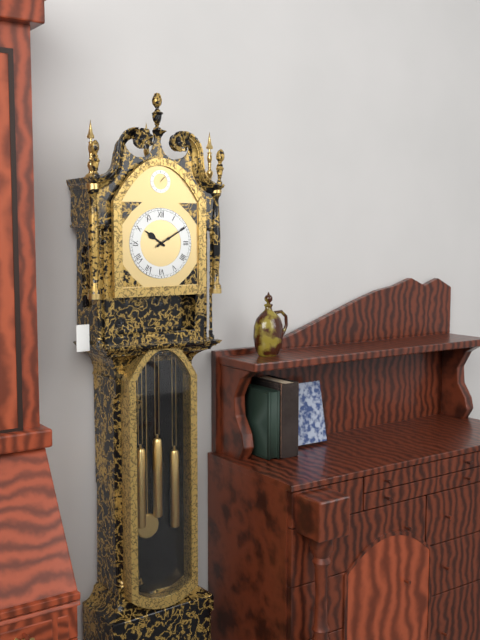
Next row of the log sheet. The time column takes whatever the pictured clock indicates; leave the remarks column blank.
10:10
